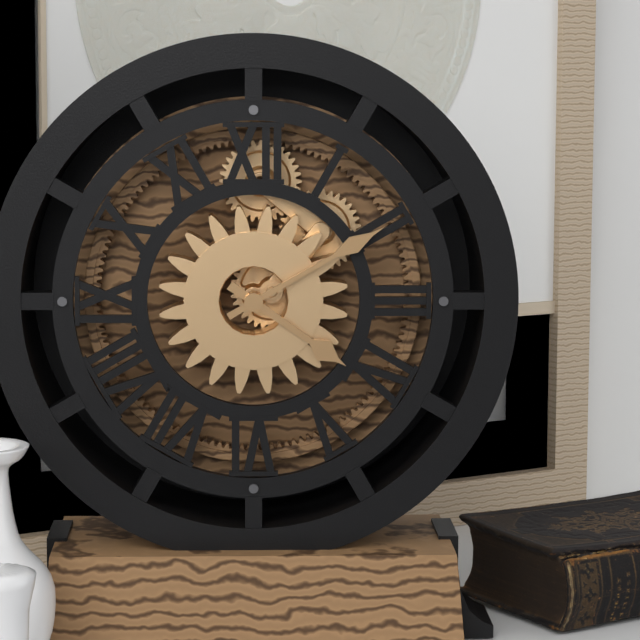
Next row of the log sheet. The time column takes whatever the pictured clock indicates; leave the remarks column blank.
4:10
